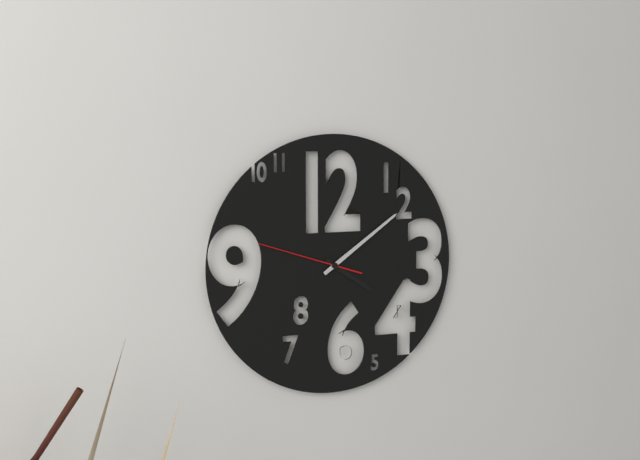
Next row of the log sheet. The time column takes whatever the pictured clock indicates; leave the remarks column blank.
4:09:48
